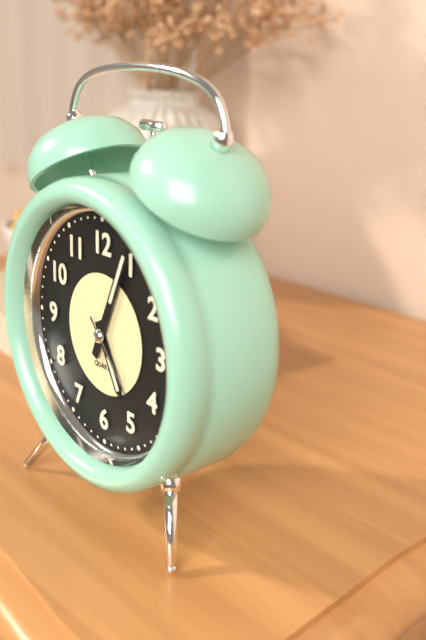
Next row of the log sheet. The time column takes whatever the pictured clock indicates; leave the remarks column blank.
5:04:23
